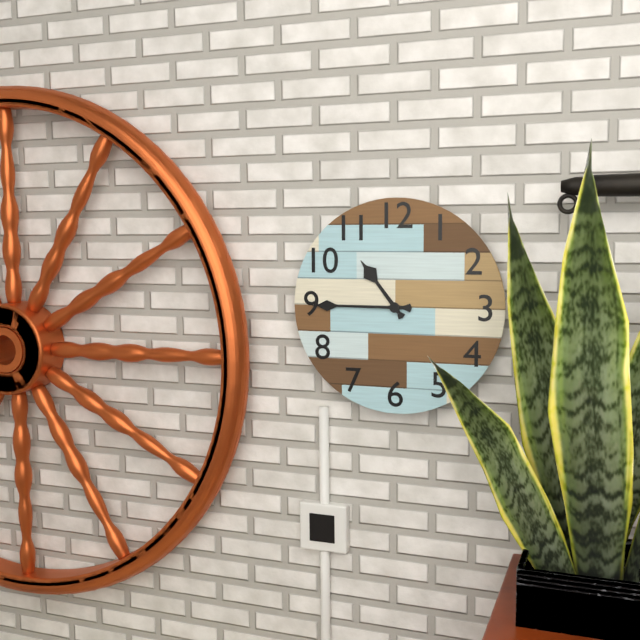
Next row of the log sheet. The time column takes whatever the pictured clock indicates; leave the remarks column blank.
10:45
